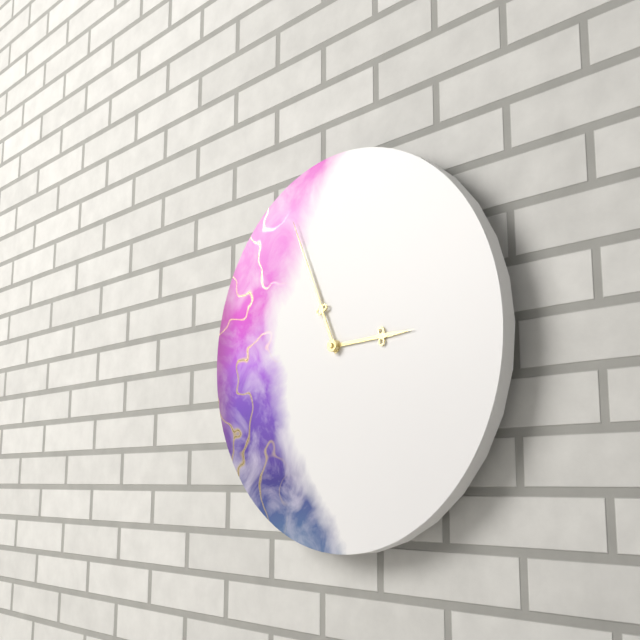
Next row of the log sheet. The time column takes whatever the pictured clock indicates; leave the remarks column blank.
2:56
